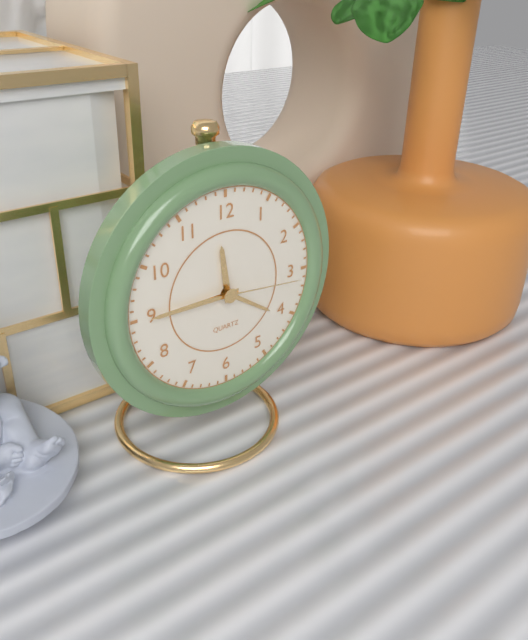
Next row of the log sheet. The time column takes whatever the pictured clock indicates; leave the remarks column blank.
11:45:16
